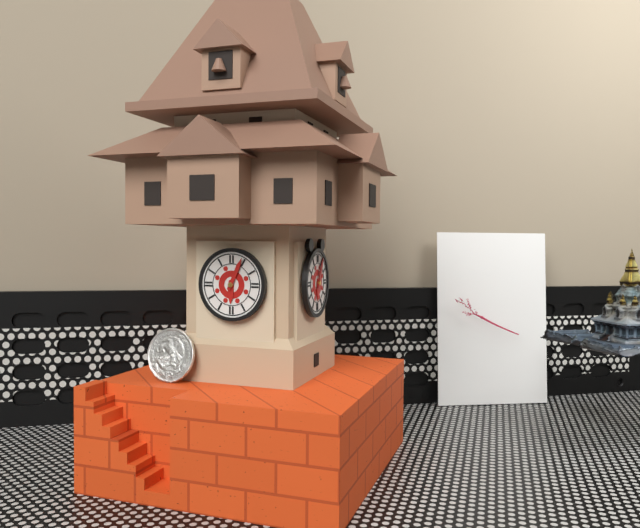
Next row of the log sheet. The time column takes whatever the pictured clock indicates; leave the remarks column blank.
6:04
